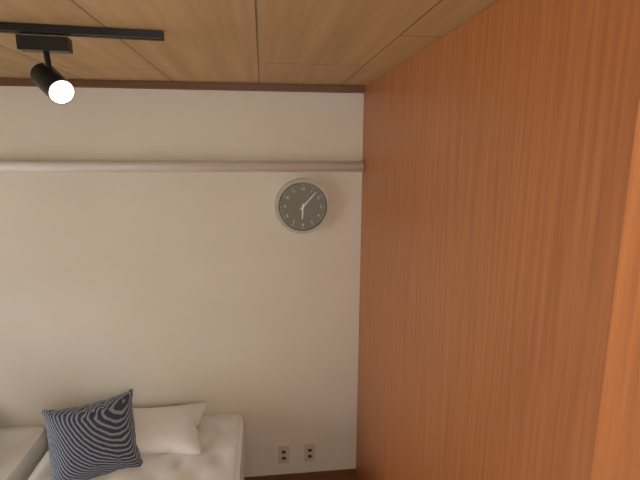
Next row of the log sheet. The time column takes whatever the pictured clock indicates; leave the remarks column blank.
6:07
